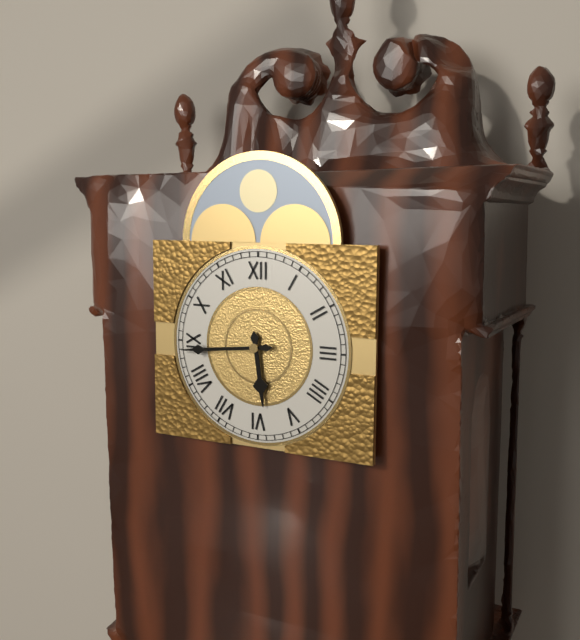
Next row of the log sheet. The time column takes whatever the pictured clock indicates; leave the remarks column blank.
5:44
